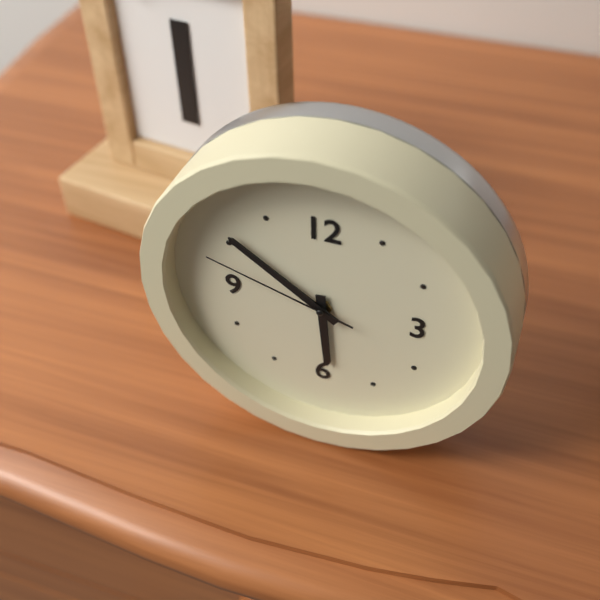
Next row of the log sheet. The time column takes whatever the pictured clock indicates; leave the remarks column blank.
5:51:48
